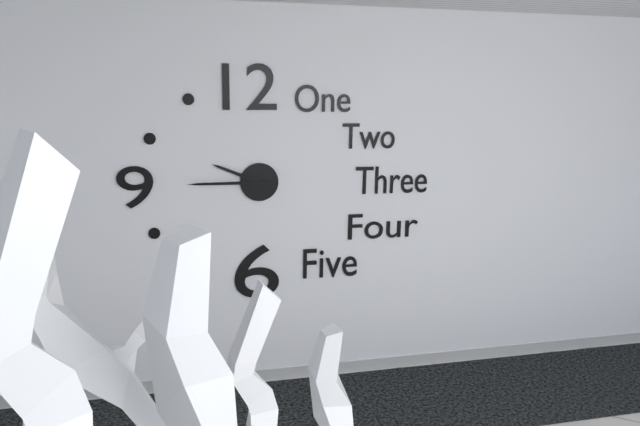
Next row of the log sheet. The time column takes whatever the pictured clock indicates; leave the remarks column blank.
9:45
